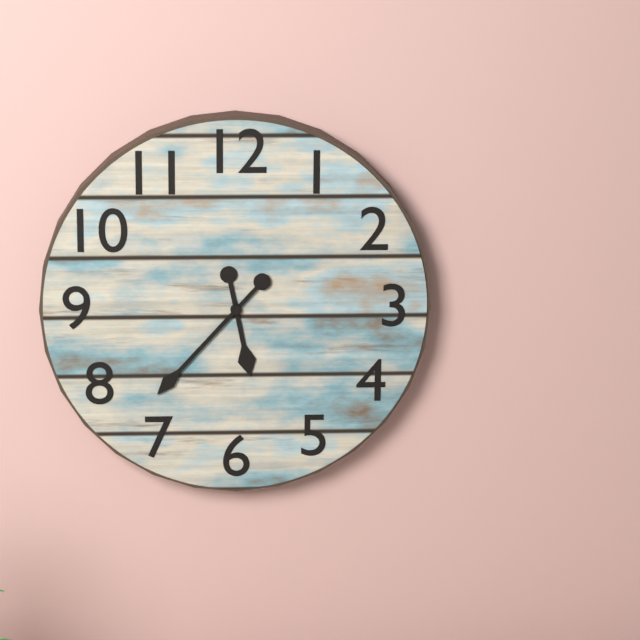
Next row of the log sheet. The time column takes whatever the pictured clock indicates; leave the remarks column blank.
5:37
